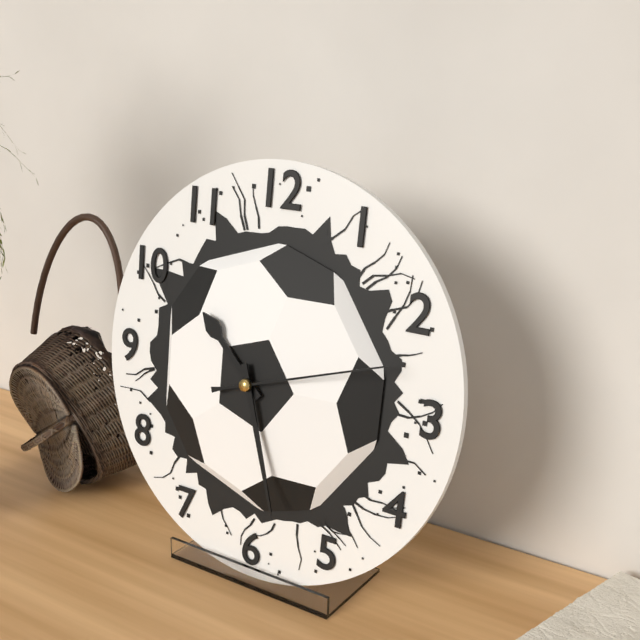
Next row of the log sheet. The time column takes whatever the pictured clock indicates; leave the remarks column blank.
10:27:12
